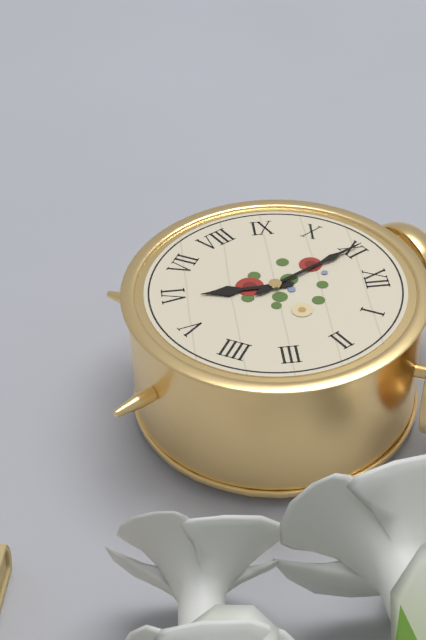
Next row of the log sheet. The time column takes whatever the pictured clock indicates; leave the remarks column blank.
5:55
